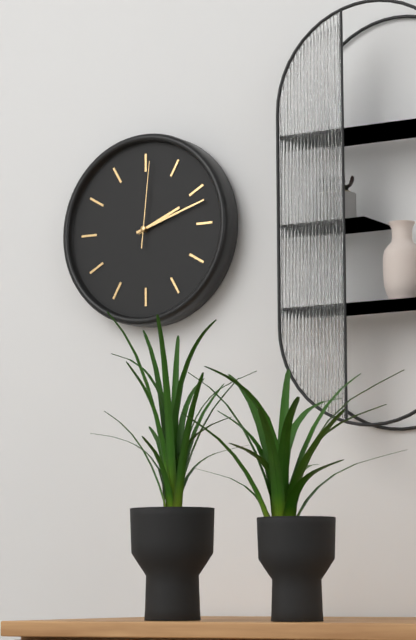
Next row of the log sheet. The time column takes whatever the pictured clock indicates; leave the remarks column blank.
2:12:01
